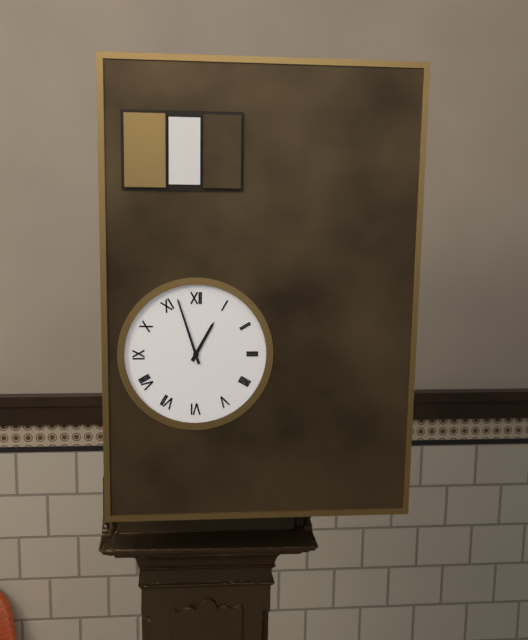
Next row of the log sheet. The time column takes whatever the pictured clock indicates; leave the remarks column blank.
12:57
